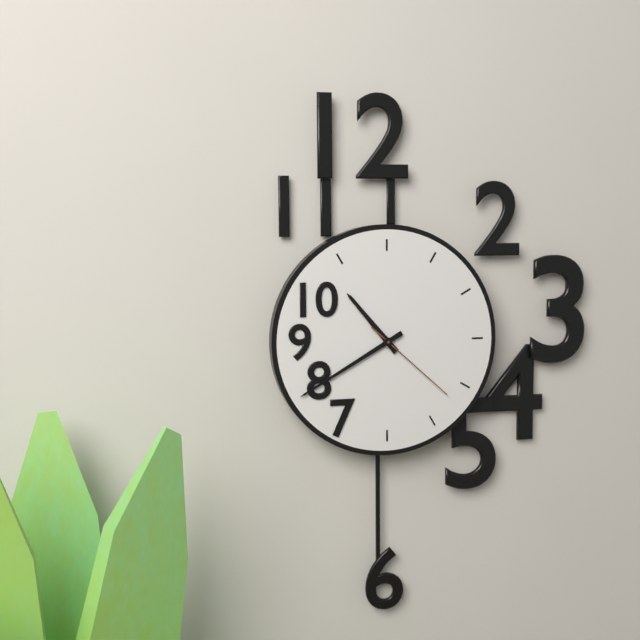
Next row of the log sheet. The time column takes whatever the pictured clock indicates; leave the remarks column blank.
10:40:22
